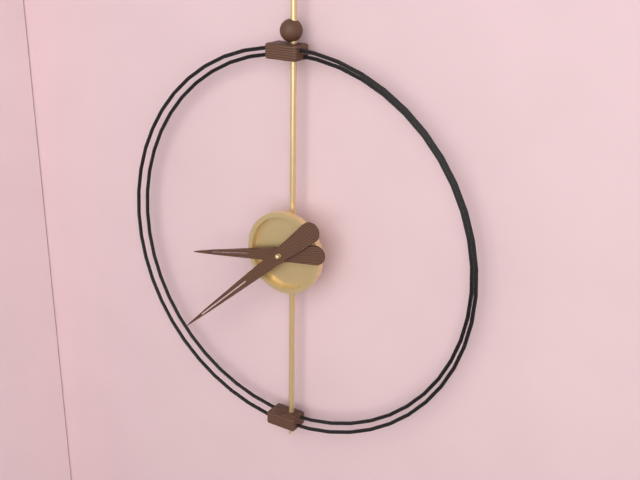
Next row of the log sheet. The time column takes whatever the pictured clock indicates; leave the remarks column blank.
8:38
